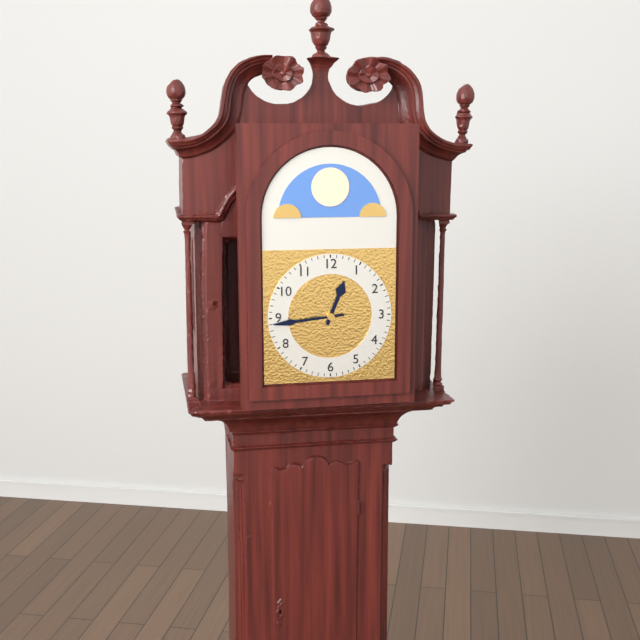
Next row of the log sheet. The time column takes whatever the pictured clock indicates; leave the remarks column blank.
12:44
